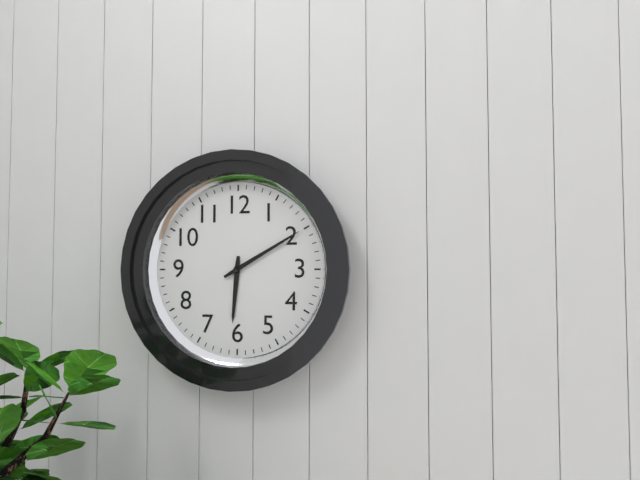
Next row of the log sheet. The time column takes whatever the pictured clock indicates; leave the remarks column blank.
6:10
